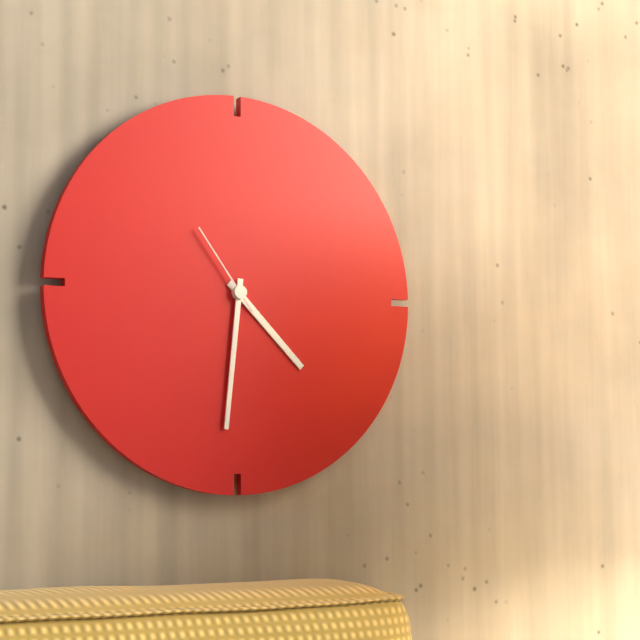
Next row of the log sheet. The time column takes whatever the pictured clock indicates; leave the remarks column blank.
4:31:54
